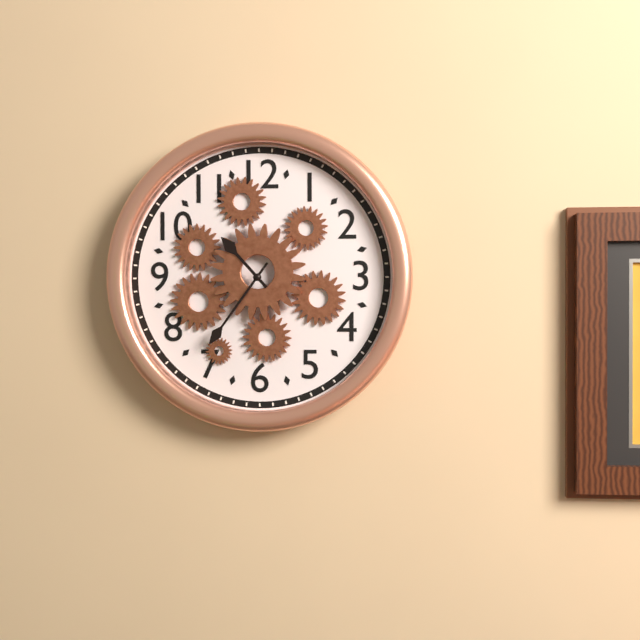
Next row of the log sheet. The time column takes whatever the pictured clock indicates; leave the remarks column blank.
10:36
